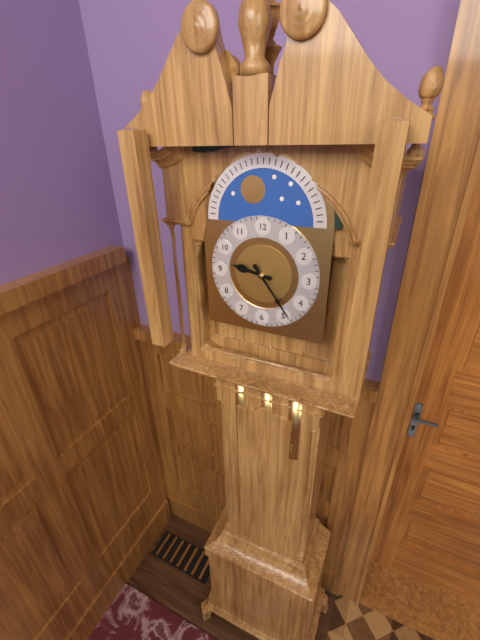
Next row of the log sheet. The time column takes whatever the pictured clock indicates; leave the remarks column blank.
9:24
